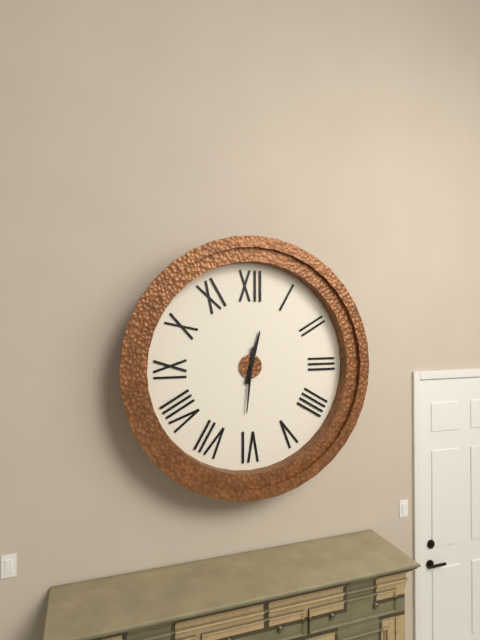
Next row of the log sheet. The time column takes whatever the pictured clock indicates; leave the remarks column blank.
12:31
